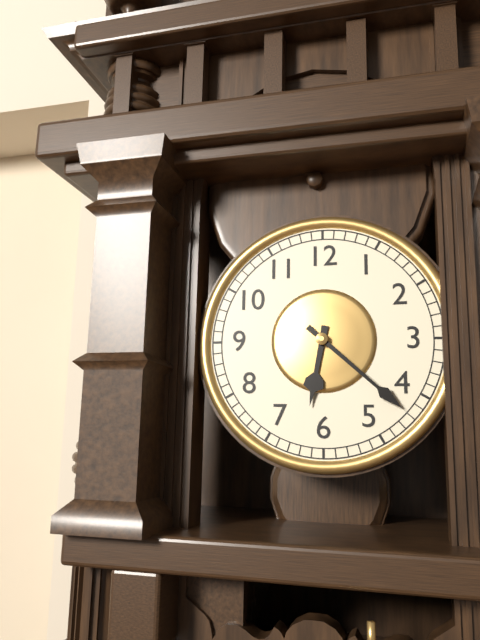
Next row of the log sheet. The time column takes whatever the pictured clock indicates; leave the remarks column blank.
6:22
